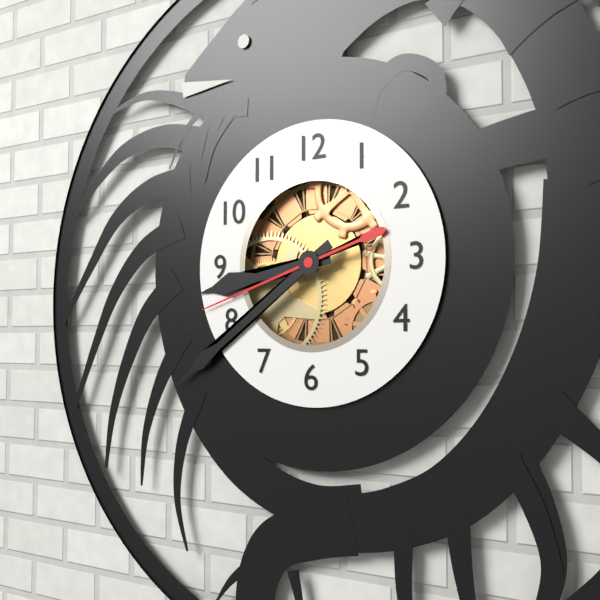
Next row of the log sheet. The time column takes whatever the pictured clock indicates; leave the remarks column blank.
8:39:42
